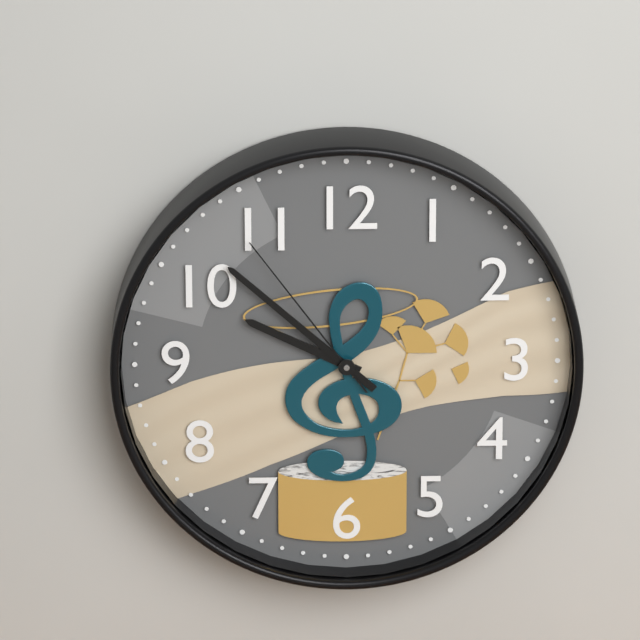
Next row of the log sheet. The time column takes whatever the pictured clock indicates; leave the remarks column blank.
9:52:54
